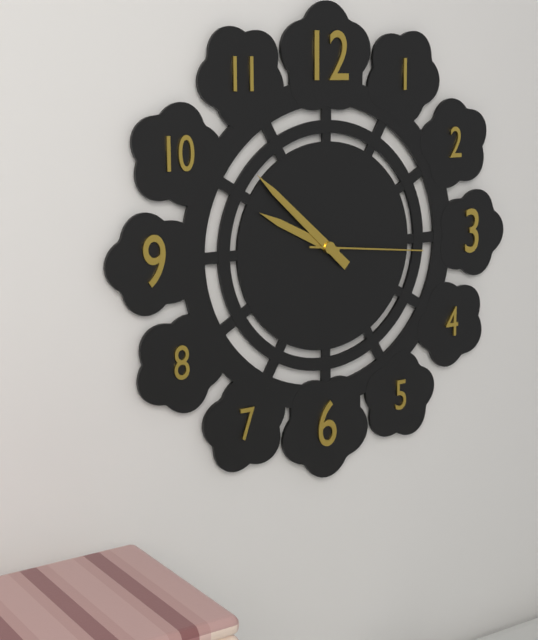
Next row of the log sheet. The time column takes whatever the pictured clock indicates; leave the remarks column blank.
9:52:16
